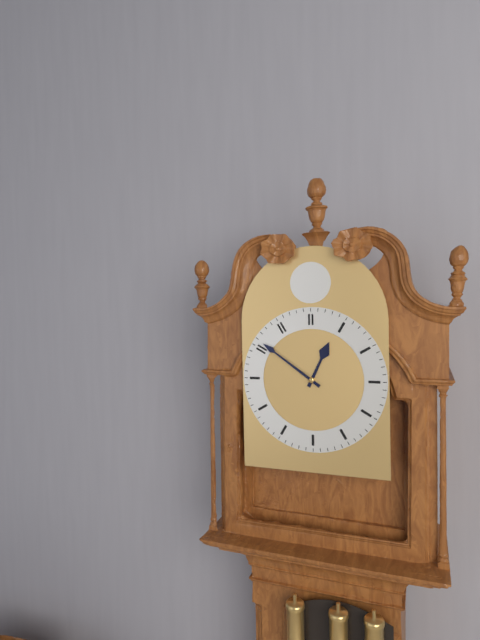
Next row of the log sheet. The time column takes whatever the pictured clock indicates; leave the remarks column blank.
12:51
